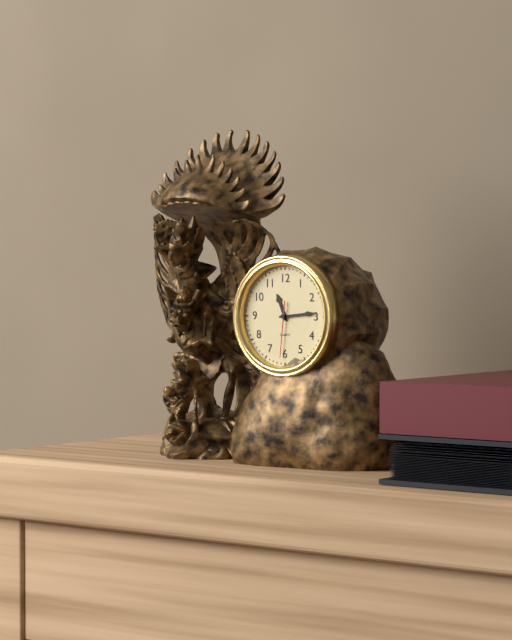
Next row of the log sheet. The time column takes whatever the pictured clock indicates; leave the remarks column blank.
11:14:31
